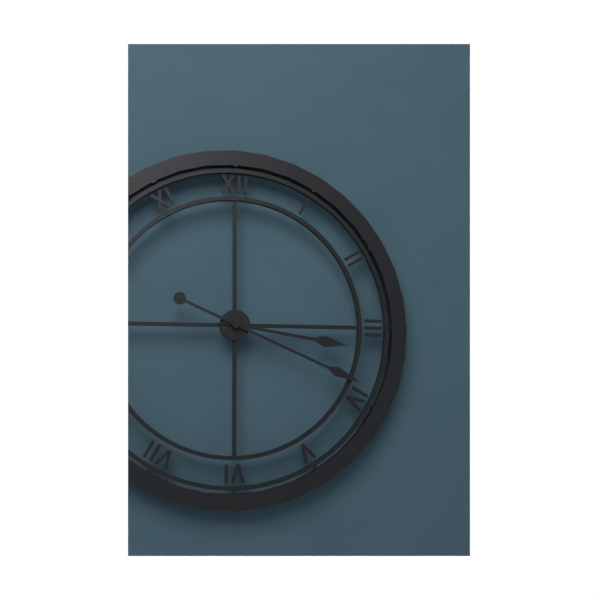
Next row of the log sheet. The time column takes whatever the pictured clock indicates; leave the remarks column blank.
3:19
